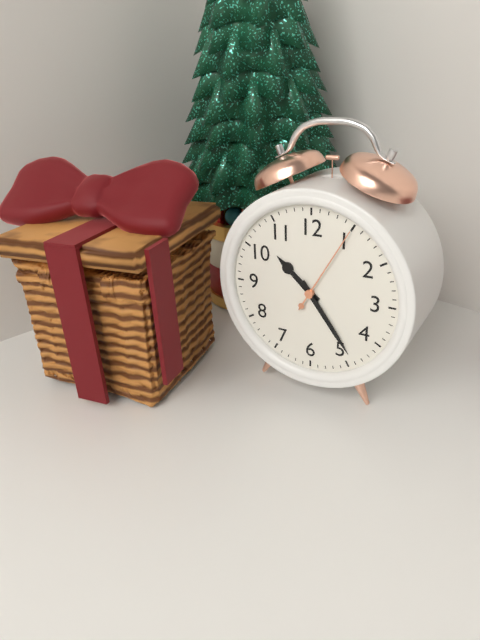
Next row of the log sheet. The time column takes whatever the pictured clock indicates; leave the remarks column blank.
10:24:05
